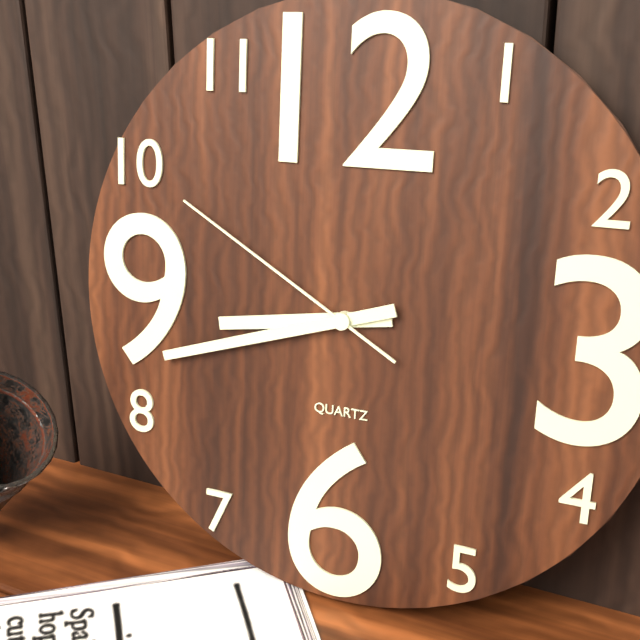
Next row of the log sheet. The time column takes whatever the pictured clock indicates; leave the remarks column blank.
8:42:50
